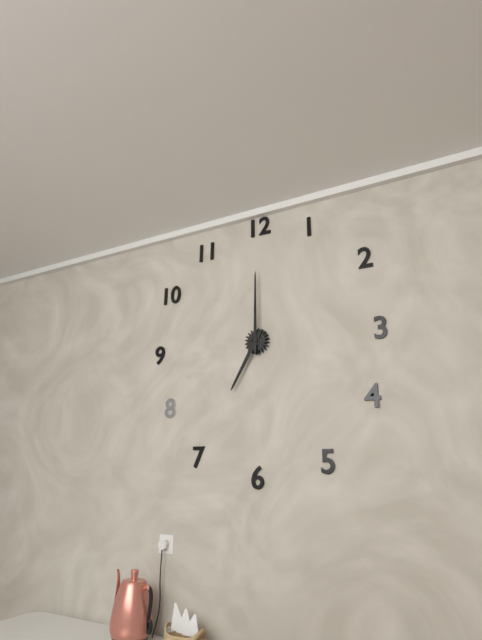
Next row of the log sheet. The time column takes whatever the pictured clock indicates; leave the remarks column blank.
7:00
